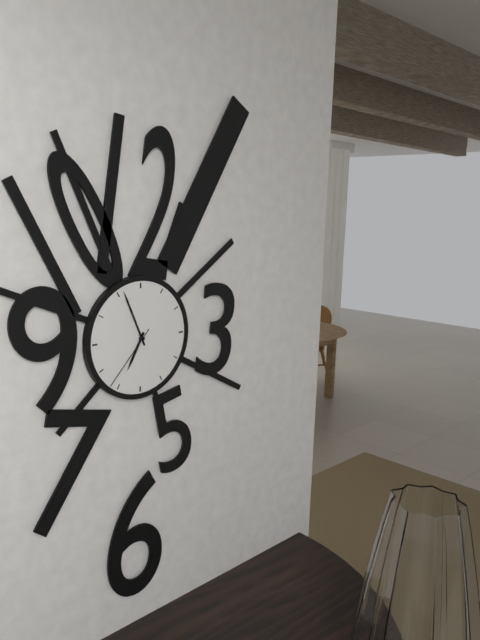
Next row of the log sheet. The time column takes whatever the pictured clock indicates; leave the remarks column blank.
6:56:37
